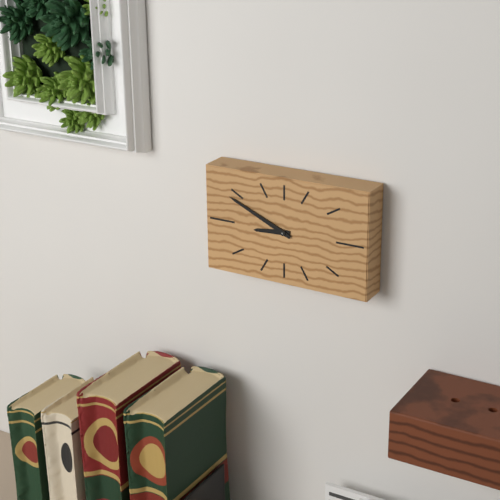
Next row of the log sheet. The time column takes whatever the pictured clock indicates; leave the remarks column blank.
8:49
